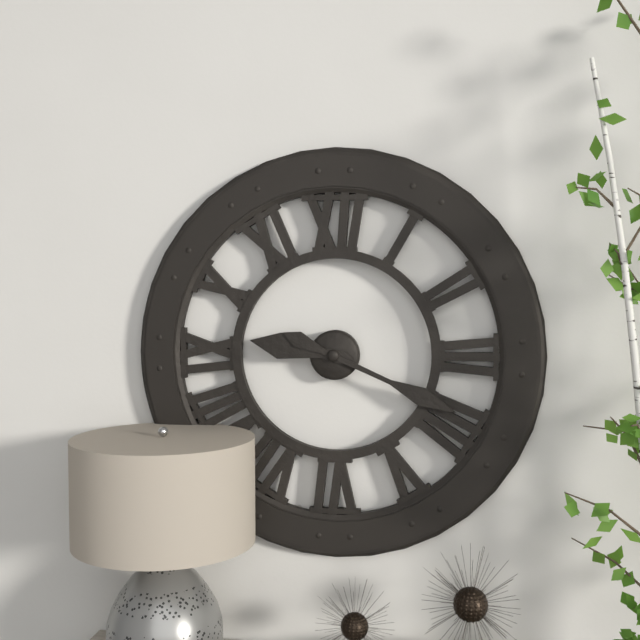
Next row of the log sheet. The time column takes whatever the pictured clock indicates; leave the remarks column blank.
9:19
